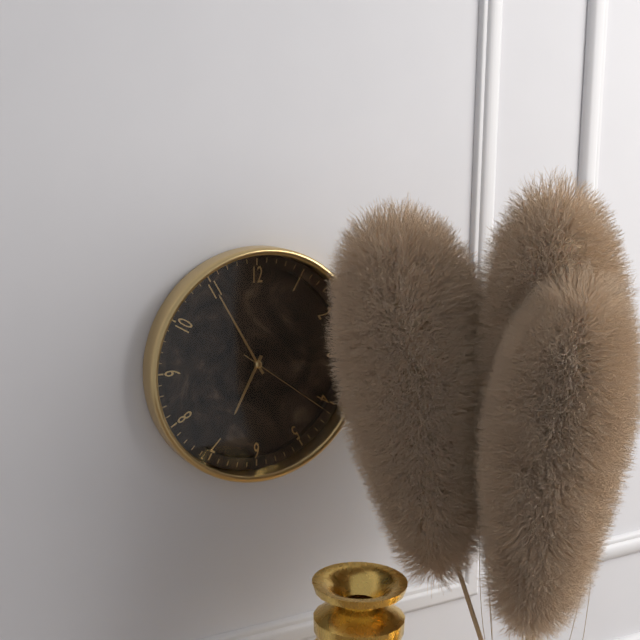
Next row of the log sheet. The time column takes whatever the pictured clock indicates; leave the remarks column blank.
6:55:21
